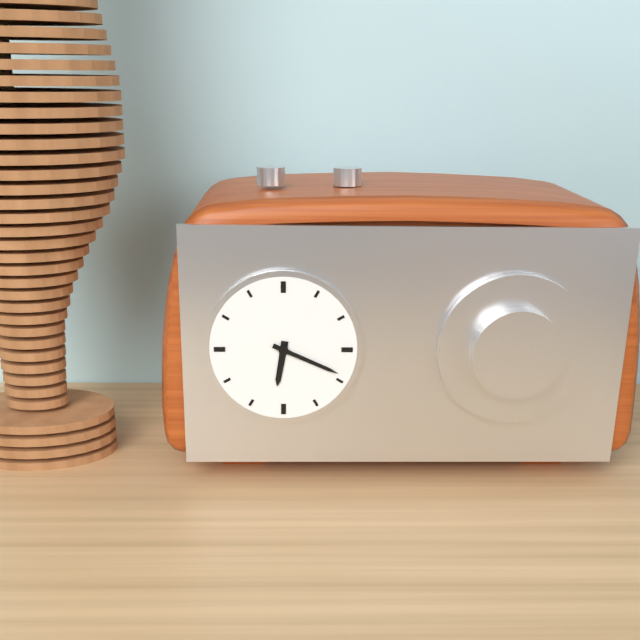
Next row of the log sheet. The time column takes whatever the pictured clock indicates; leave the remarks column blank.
6:19
